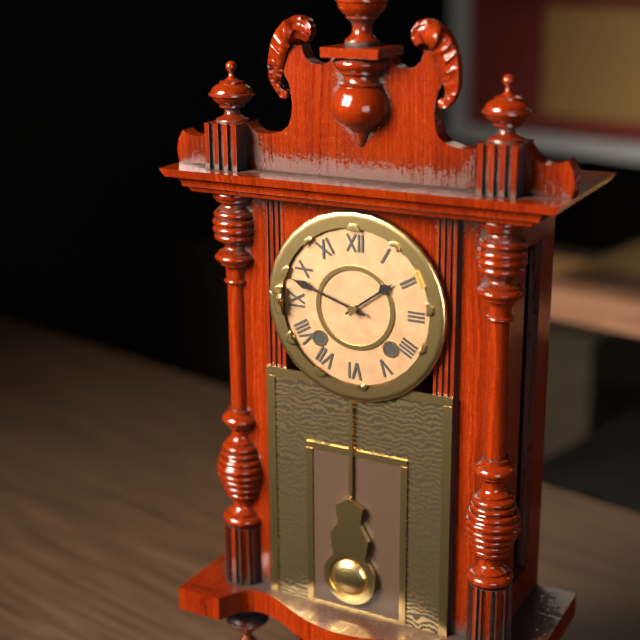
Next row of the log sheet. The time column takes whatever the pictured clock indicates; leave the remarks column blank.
1:48
